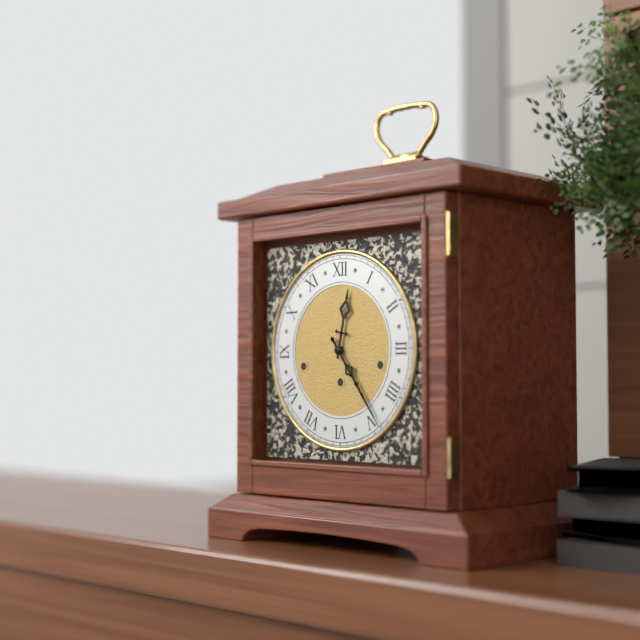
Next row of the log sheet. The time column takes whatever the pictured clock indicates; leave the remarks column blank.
12:24
